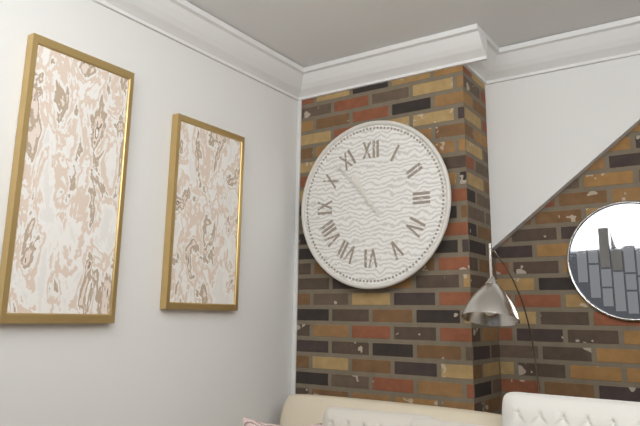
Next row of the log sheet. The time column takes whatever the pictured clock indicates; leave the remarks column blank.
10:53
